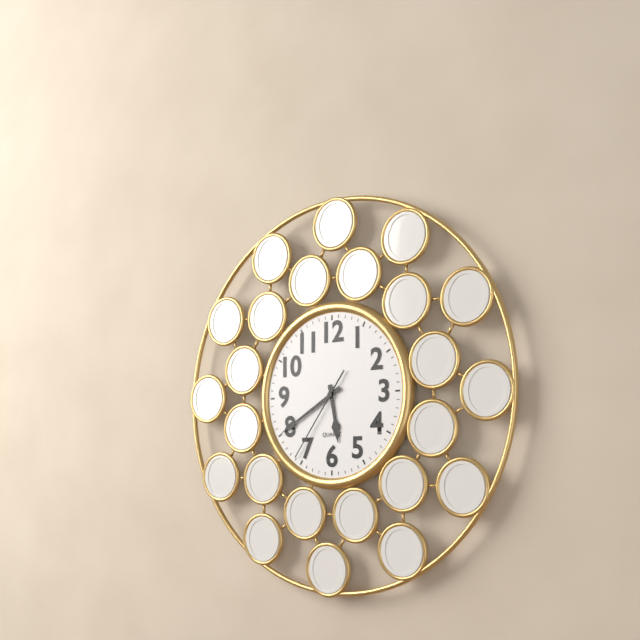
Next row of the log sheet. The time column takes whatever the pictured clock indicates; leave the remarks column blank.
5:40:36
